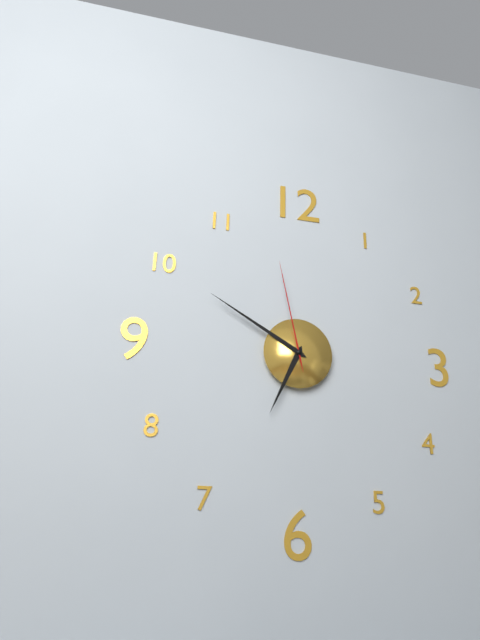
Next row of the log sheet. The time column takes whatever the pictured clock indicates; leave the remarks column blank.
6:50:58
